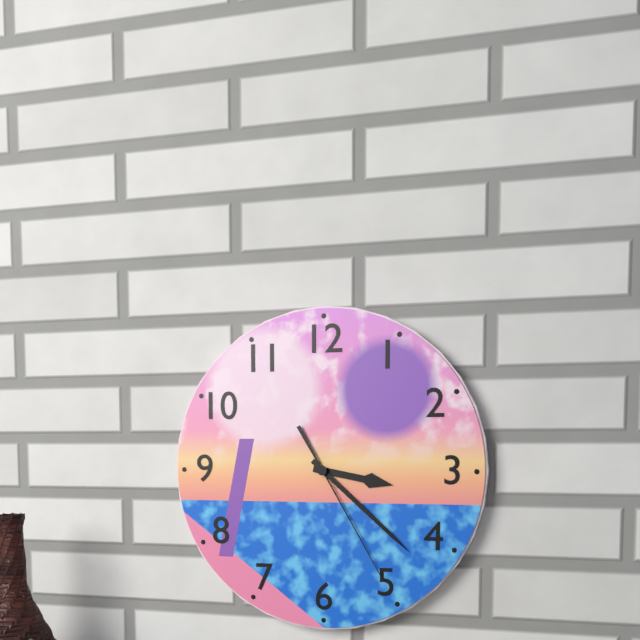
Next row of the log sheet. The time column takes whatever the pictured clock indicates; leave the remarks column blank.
3:22:25
